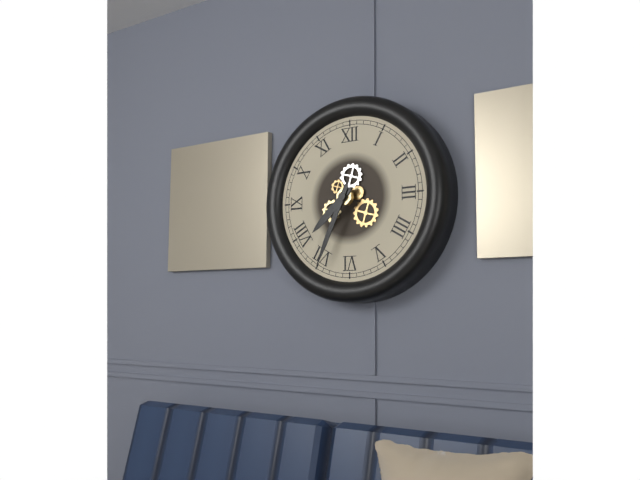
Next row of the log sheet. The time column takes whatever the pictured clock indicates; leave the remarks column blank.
7:34
